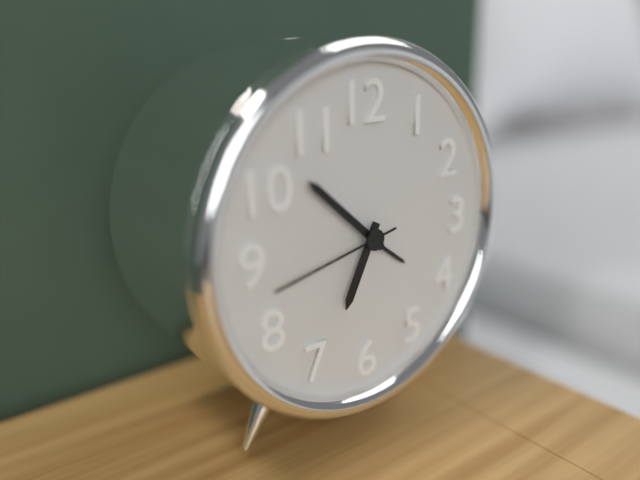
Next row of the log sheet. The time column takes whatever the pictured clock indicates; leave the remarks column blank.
6:52:43
